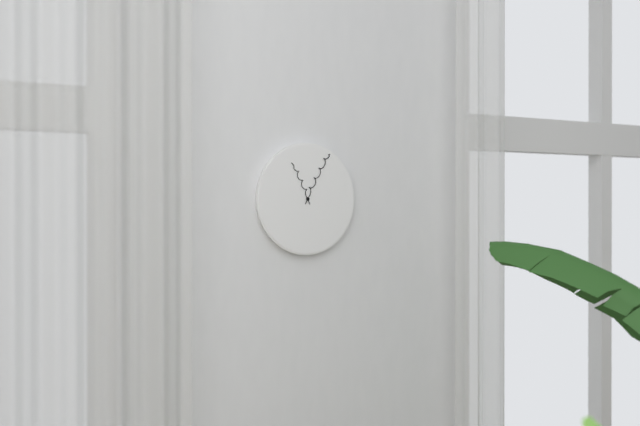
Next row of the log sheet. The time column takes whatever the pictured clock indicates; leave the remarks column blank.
11:05
